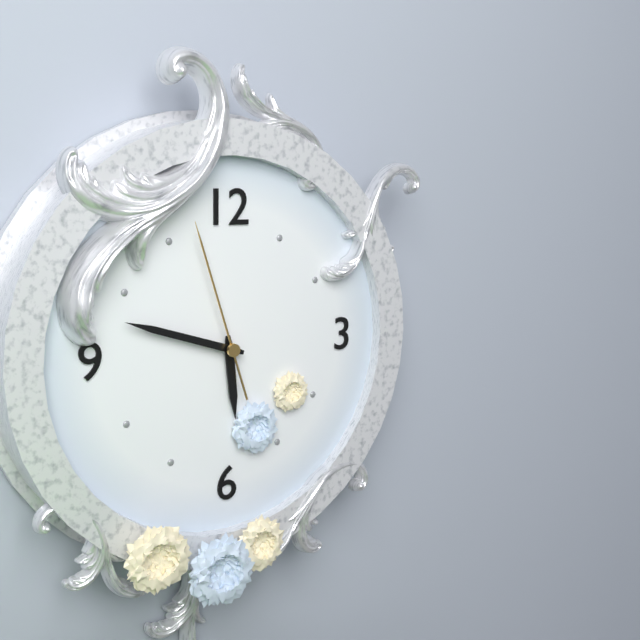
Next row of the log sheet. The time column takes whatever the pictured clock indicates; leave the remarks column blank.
5:48:57
